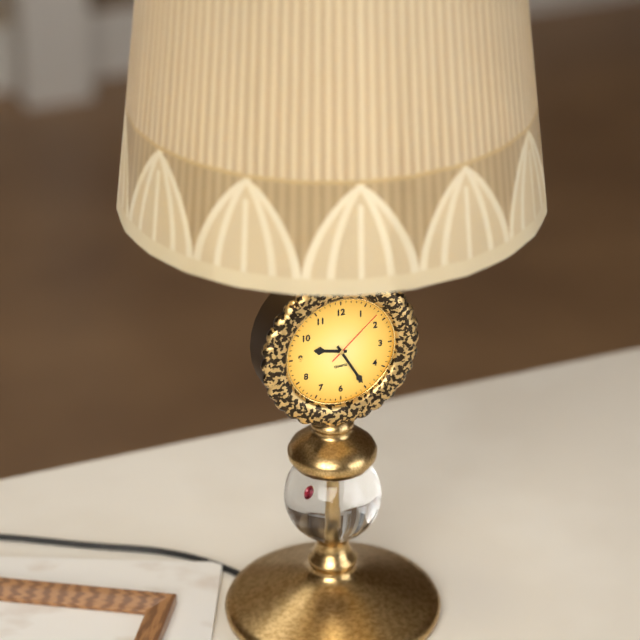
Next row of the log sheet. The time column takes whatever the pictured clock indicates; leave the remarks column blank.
9:25:08
